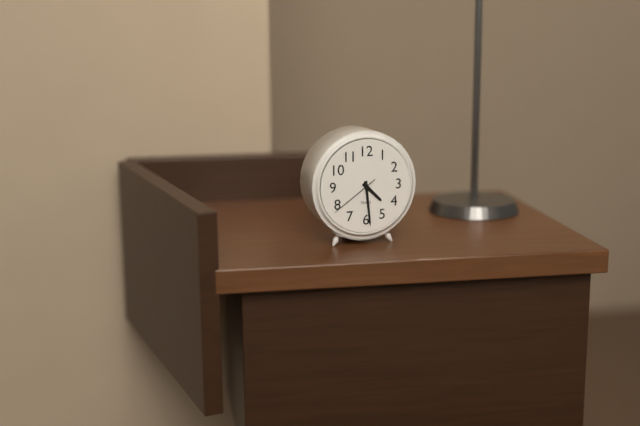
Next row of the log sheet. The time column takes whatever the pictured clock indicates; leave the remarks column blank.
4:29:39
